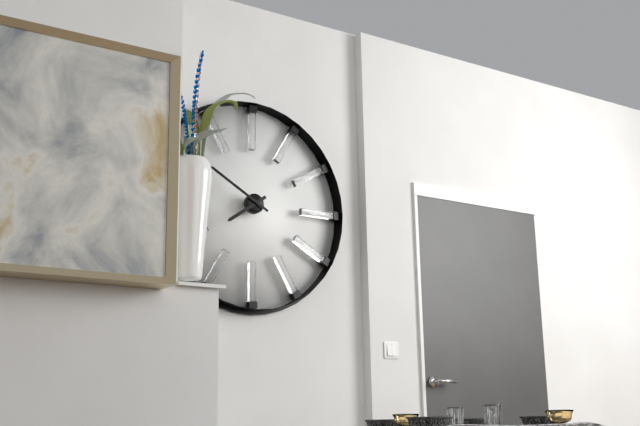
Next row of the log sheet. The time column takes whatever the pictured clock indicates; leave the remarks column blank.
7:50
